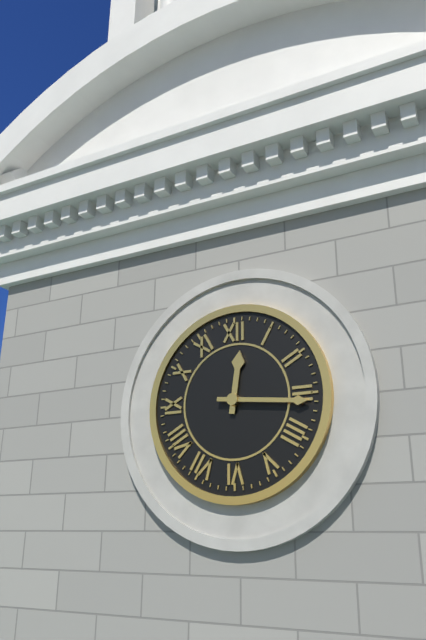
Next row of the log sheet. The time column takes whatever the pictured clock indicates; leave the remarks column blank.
12:16
